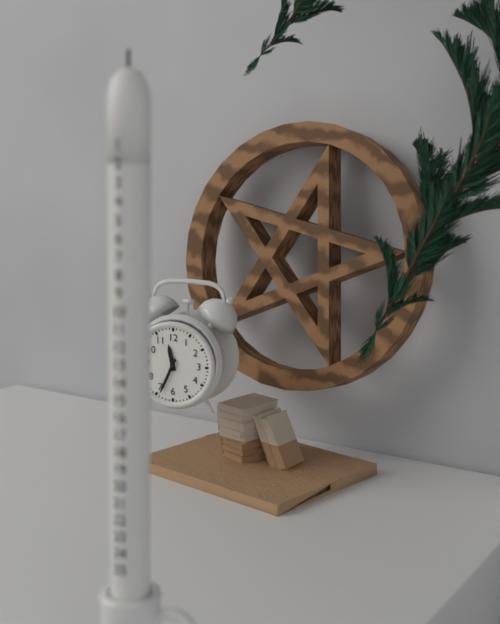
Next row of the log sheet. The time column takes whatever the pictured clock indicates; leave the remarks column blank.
11:34
